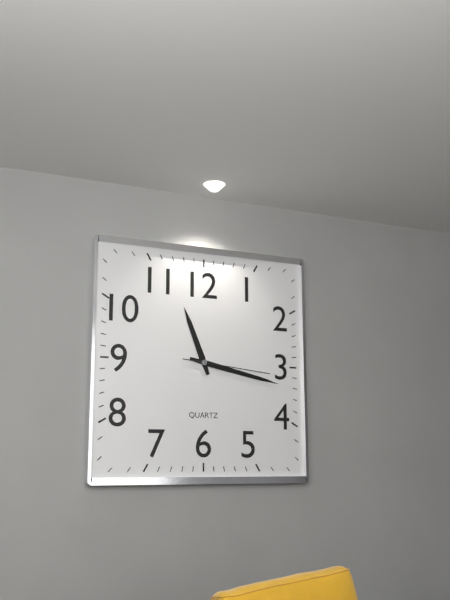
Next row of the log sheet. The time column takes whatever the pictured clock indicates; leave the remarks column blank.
11:17:16
